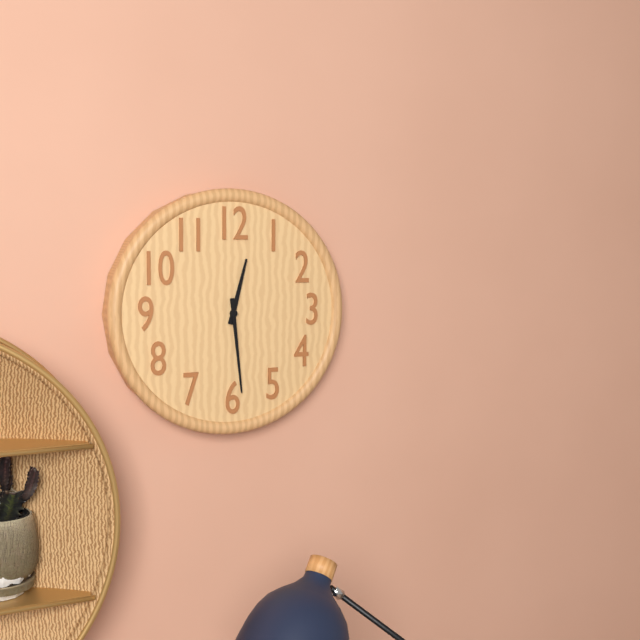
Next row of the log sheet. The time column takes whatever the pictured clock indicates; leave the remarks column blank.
12:29
